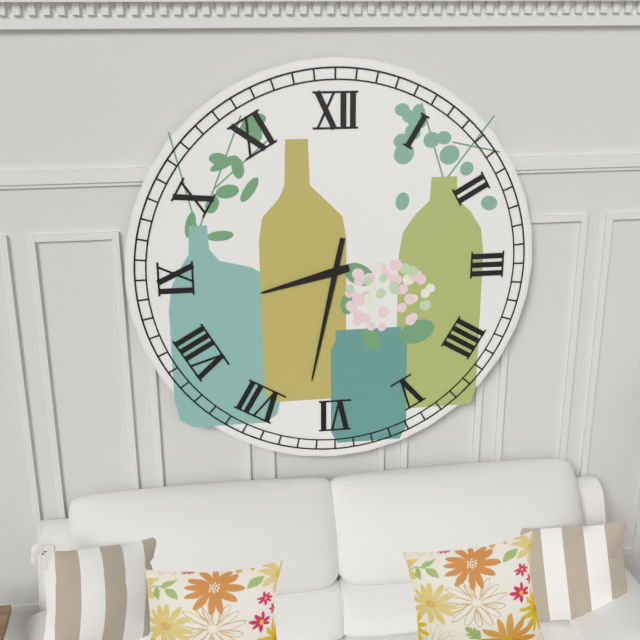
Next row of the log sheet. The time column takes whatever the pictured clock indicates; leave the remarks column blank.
8:32
